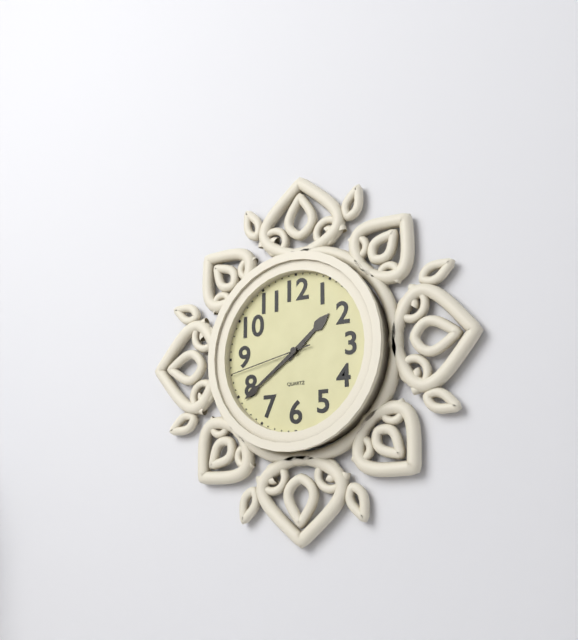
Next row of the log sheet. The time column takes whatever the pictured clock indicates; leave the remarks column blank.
1:39:43
